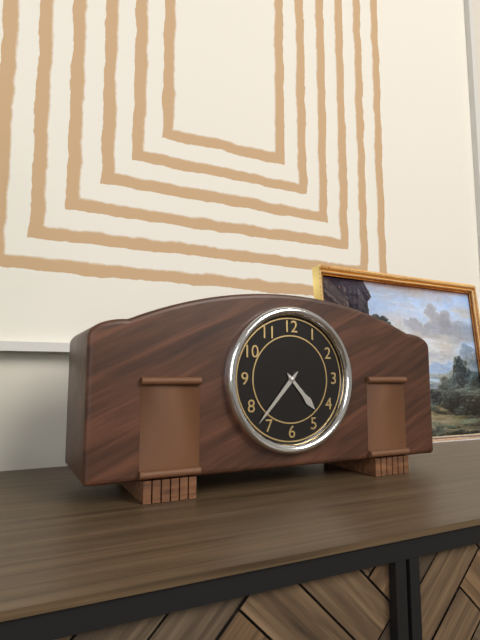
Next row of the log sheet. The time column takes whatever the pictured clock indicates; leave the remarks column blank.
4:37
